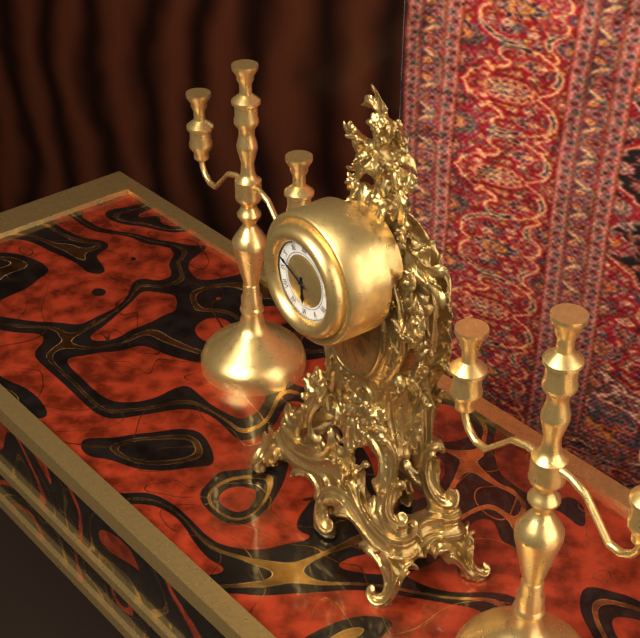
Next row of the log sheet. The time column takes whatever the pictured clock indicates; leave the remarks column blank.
5:49
